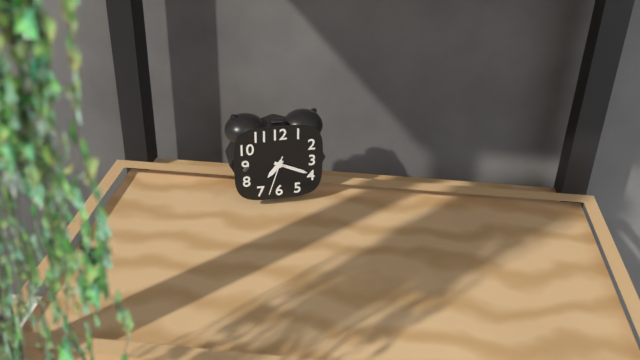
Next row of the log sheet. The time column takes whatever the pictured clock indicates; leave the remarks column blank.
7:19
